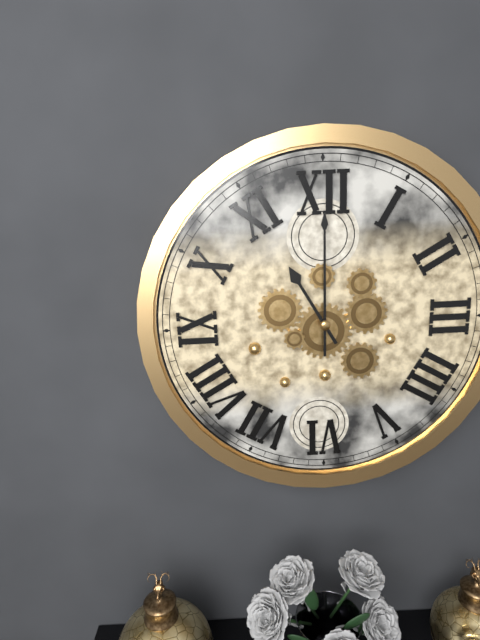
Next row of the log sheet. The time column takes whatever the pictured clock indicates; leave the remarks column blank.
11:00
